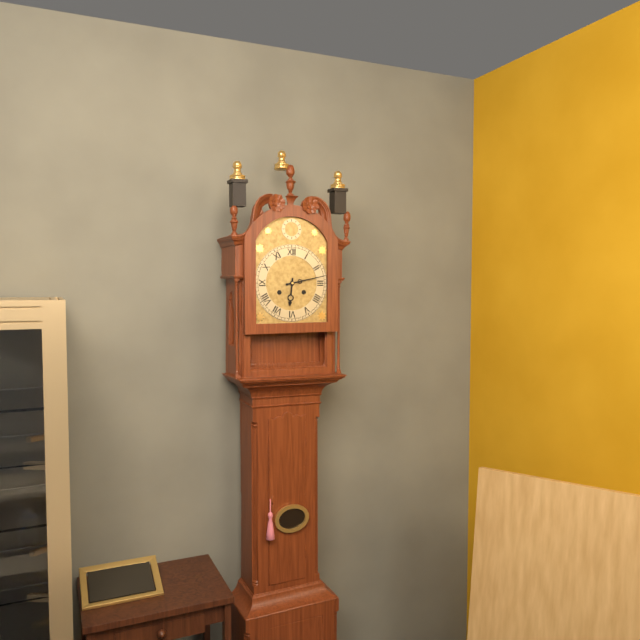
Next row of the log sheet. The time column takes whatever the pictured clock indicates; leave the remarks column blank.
6:13
